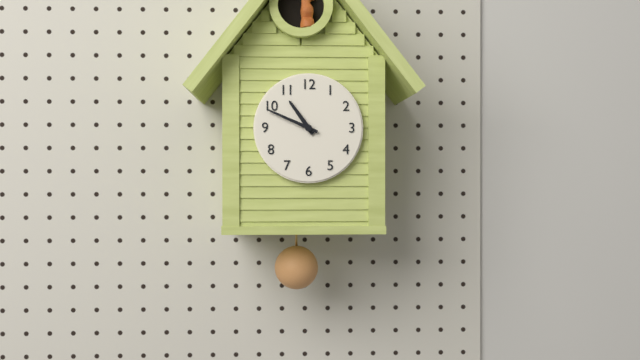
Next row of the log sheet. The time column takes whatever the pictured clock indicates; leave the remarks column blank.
10:49
